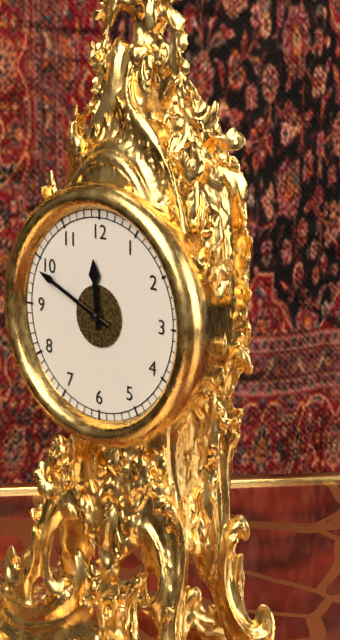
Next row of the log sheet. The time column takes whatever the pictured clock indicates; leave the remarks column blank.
11:49
